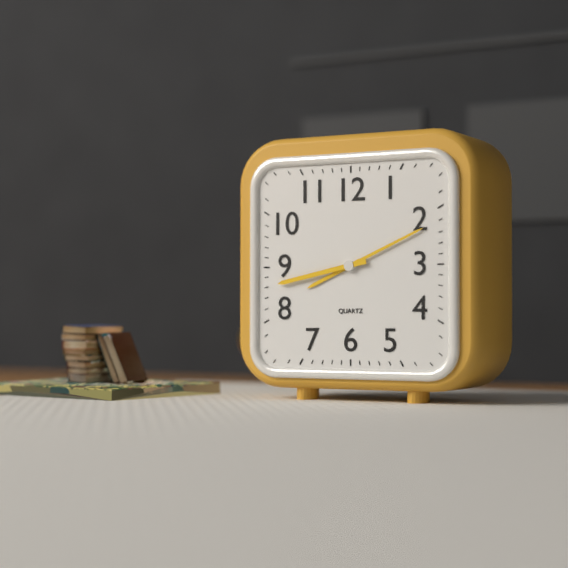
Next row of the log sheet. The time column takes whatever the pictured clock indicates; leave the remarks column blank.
8:11:43
